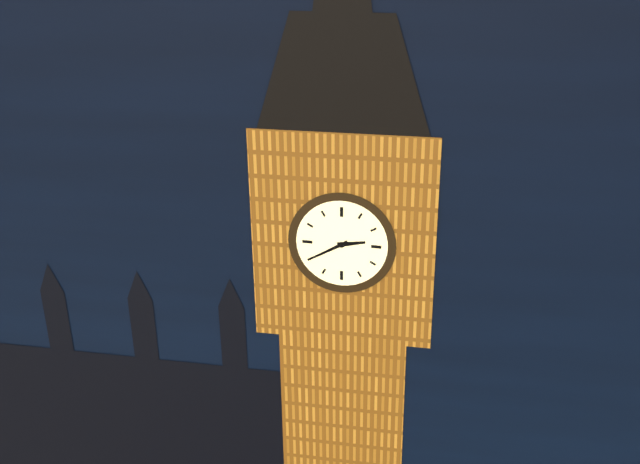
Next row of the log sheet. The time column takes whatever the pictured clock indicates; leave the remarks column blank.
2:40
